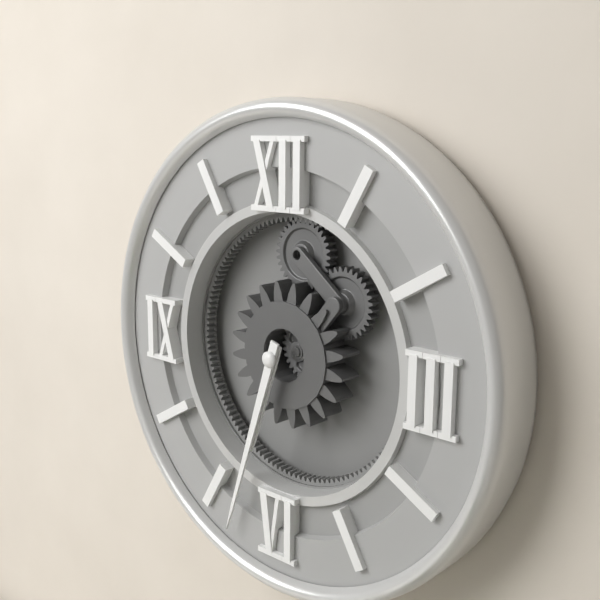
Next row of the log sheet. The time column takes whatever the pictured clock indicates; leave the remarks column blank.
6:33
